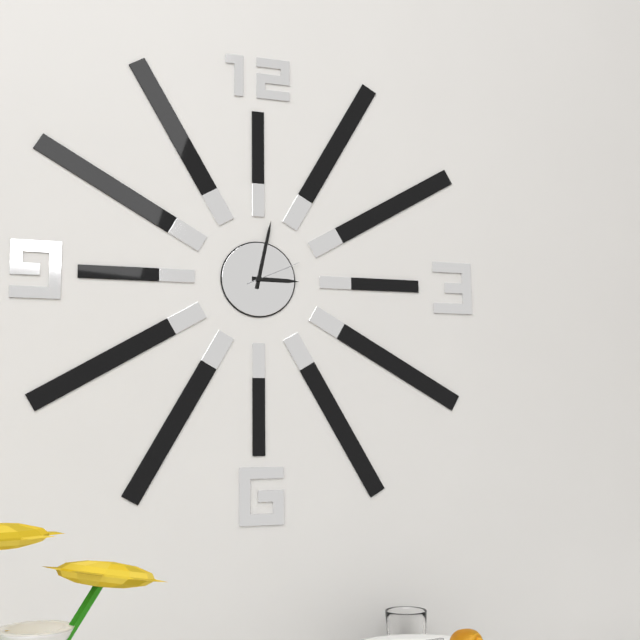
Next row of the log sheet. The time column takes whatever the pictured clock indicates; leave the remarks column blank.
3:02:11
